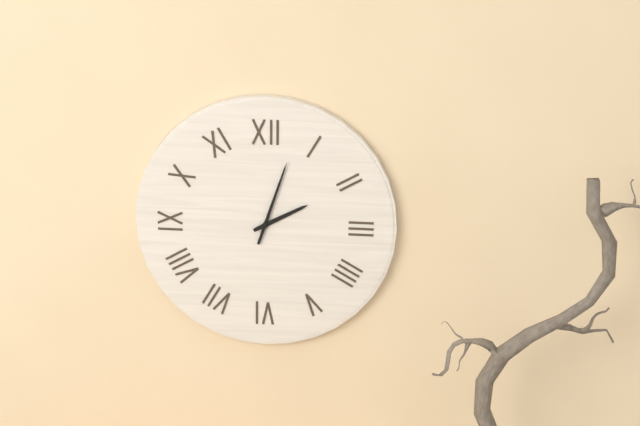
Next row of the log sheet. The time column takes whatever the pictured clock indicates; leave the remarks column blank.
2:03
